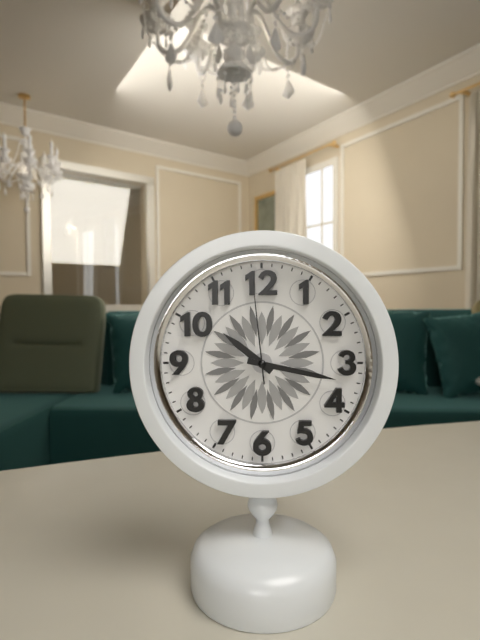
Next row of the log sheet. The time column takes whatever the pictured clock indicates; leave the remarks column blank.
10:17:59
